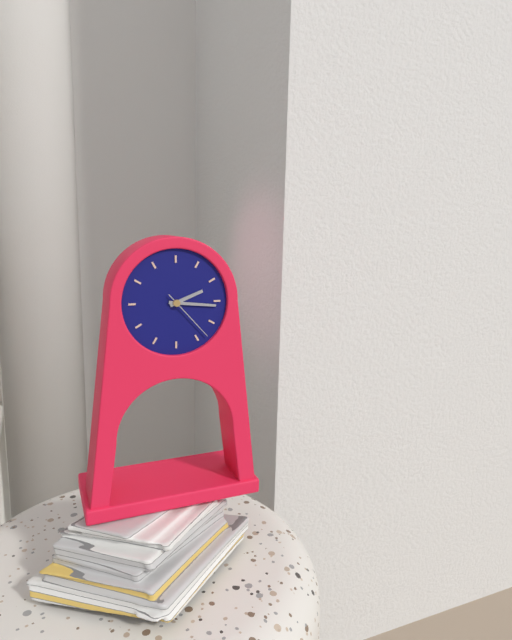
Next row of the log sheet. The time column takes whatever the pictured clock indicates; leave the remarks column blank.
2:16:23
